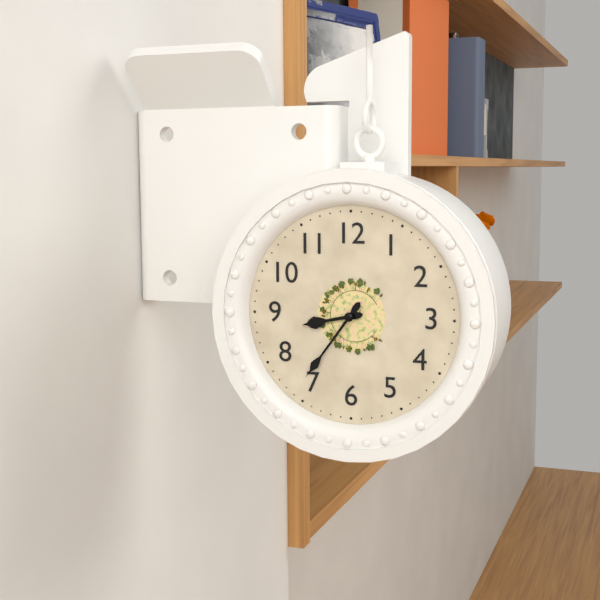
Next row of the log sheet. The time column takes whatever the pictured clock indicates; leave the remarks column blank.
8:36
